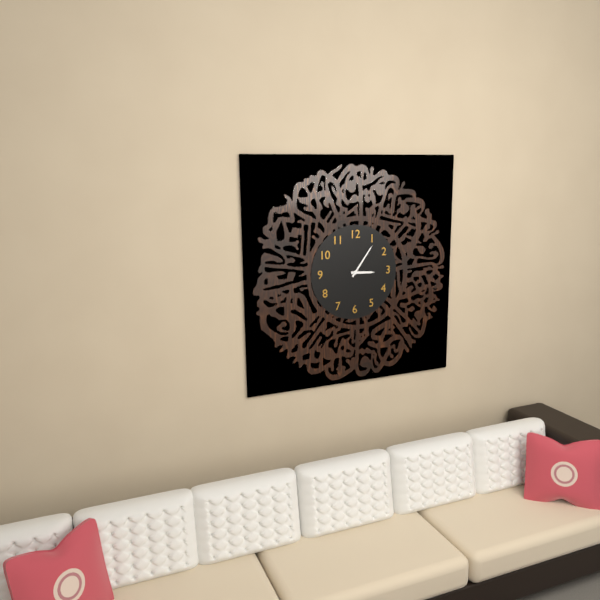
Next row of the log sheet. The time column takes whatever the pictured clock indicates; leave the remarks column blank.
3:06
